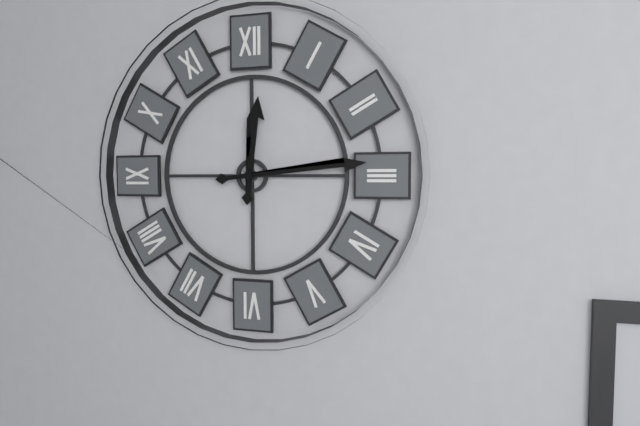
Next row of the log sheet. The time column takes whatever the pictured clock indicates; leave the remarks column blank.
12:14
